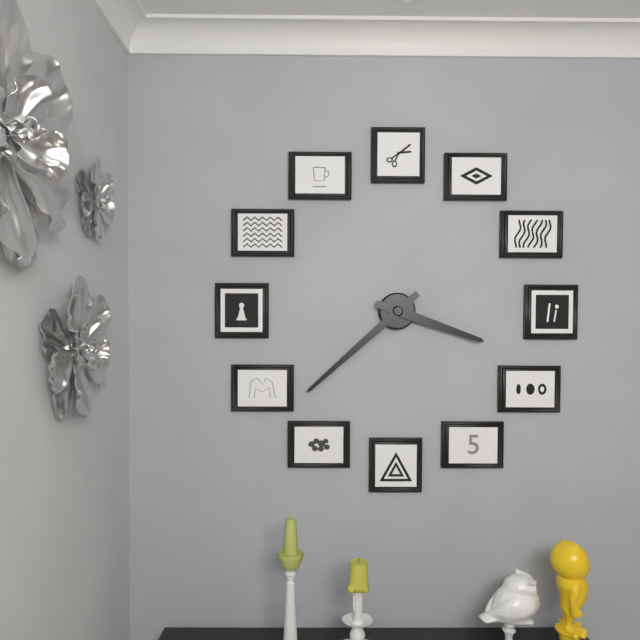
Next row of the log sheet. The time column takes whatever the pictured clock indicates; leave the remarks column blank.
3:38
